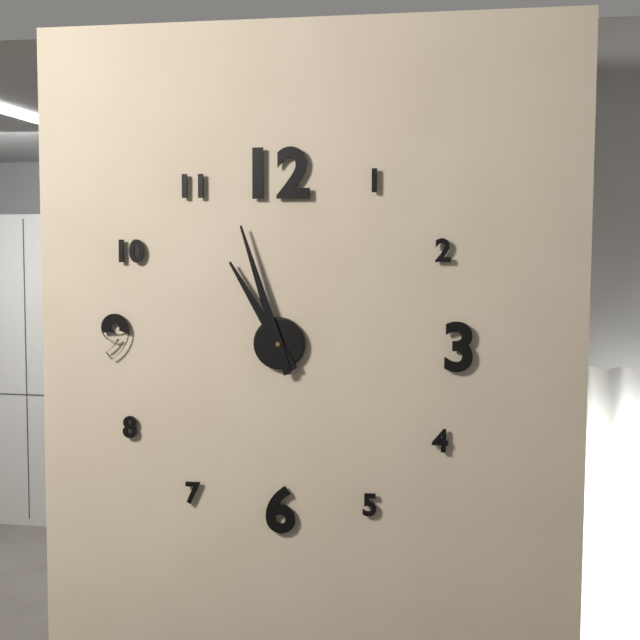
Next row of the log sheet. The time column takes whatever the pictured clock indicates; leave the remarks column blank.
10:57
